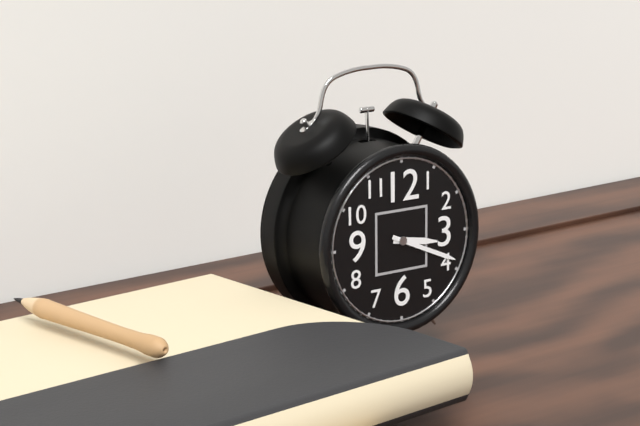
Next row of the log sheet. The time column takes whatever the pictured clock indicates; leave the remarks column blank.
3:19
